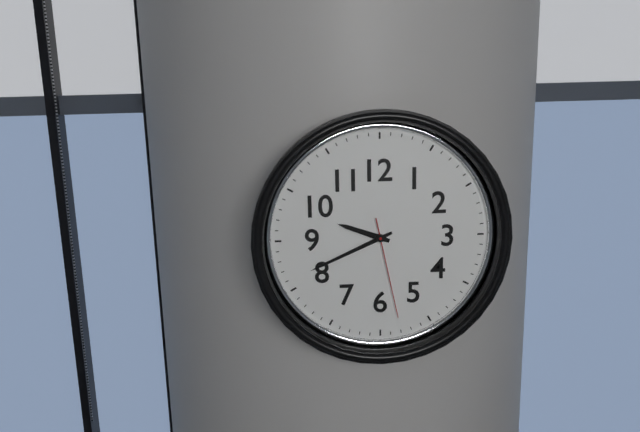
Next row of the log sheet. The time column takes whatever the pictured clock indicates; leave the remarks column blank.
9:41:28
